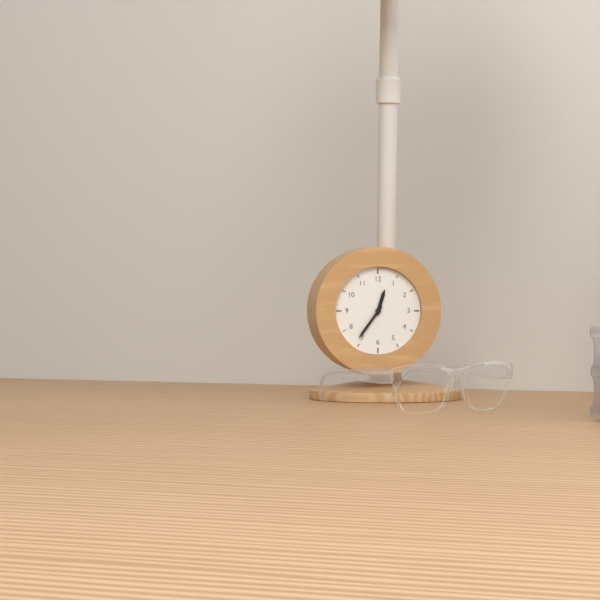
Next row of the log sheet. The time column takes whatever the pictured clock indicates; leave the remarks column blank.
12:36
